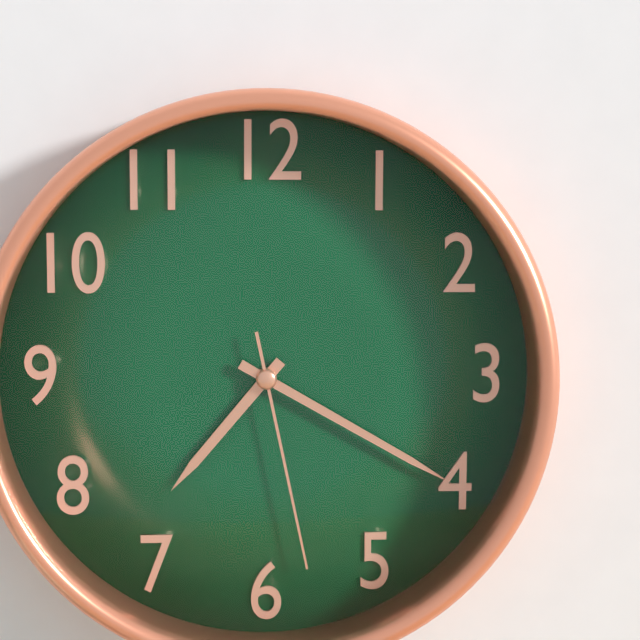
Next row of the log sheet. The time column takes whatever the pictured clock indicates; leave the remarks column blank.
7:20:28
